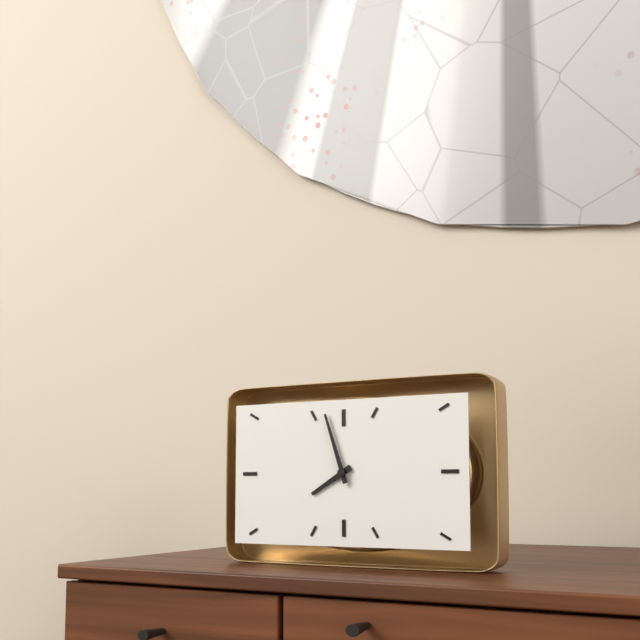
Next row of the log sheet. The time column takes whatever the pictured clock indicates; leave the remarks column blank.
7:57
